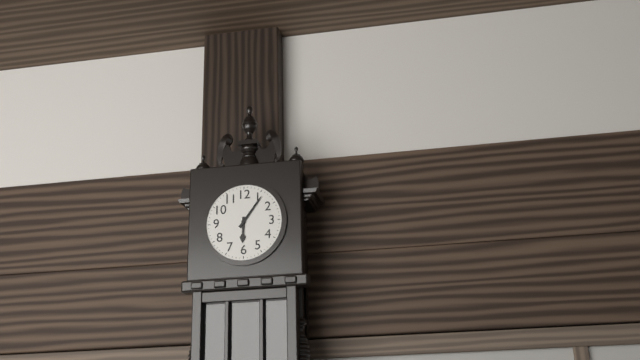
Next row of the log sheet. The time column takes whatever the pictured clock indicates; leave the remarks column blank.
6:06
